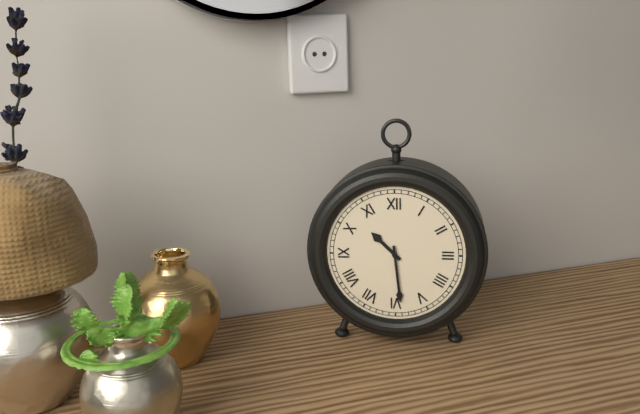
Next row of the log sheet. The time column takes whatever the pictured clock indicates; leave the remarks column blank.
10:29
